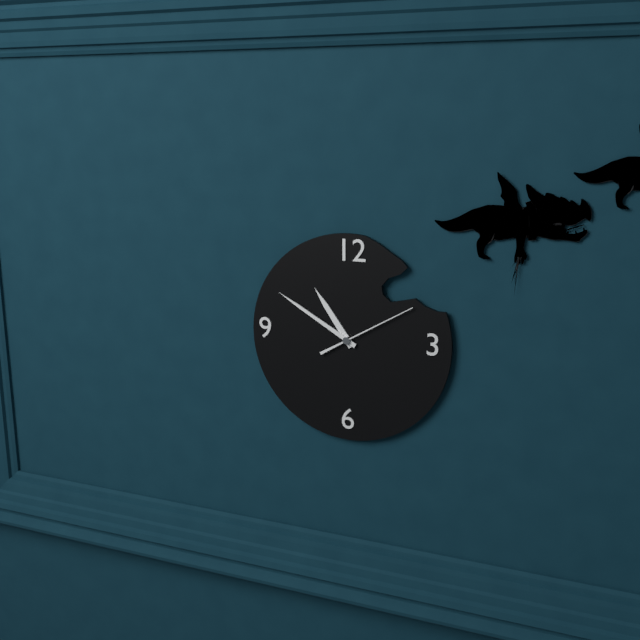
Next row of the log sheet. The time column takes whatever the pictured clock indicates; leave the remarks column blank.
10:50:10
